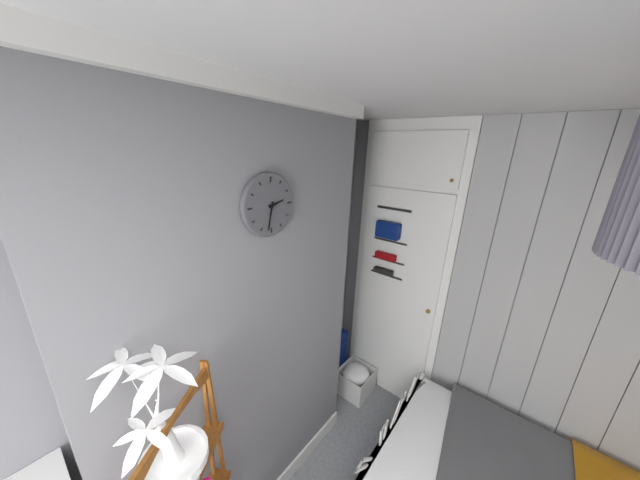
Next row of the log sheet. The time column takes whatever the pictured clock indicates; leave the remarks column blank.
2:32
